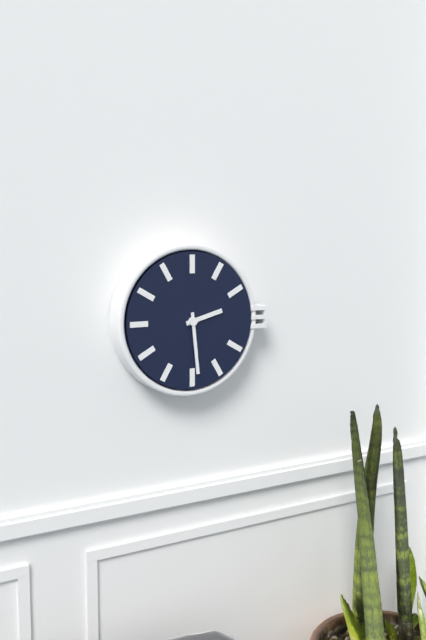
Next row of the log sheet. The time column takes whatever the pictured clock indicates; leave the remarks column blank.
2:29
